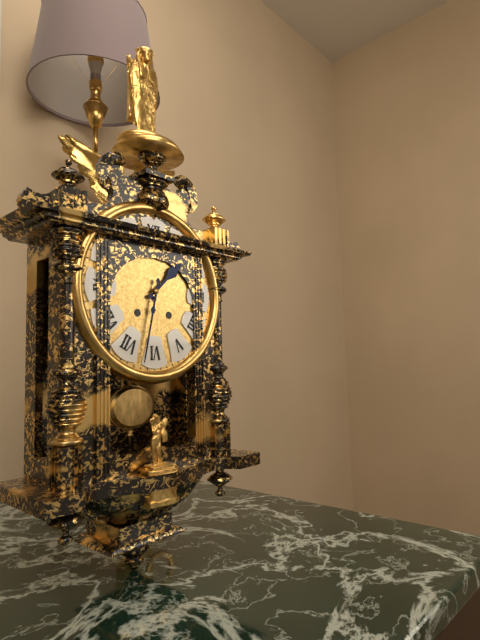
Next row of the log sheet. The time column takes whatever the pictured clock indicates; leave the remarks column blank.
1:32
